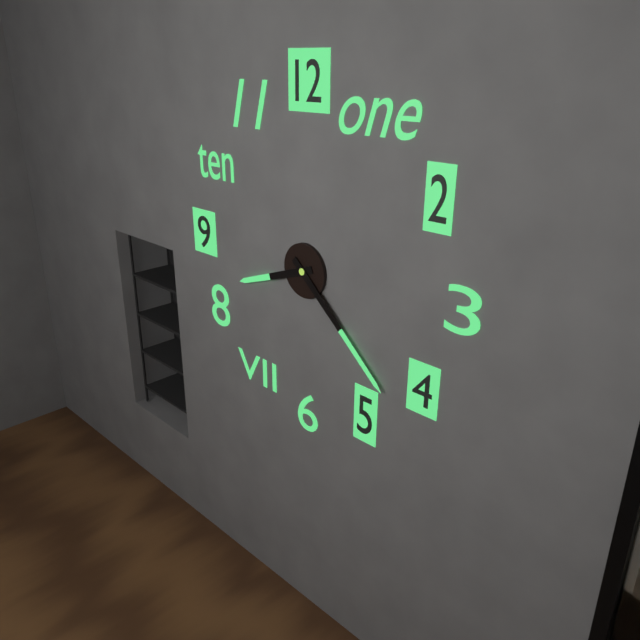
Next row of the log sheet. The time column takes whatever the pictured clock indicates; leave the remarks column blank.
8:22
